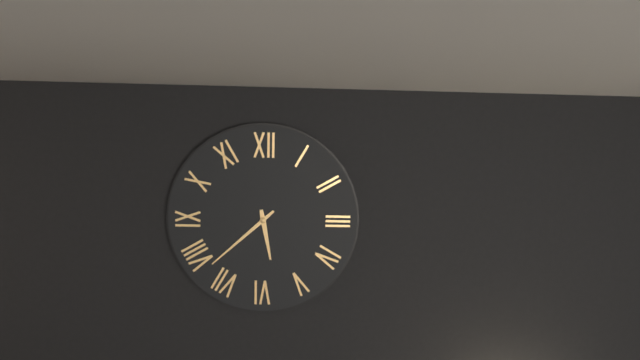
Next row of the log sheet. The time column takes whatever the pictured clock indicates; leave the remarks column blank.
5:38
